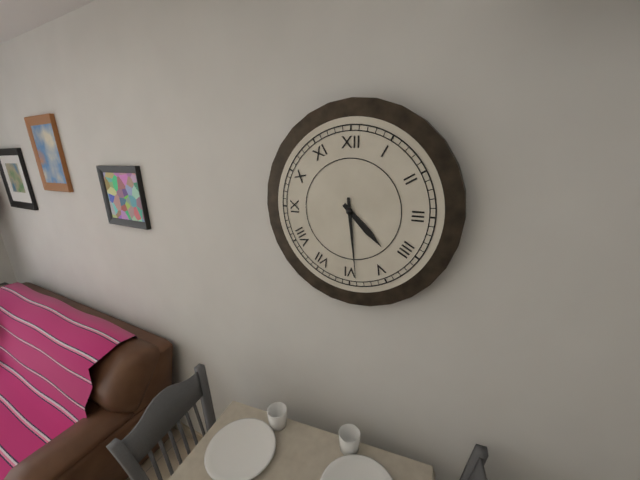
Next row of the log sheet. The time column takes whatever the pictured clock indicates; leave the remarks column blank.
4:29
